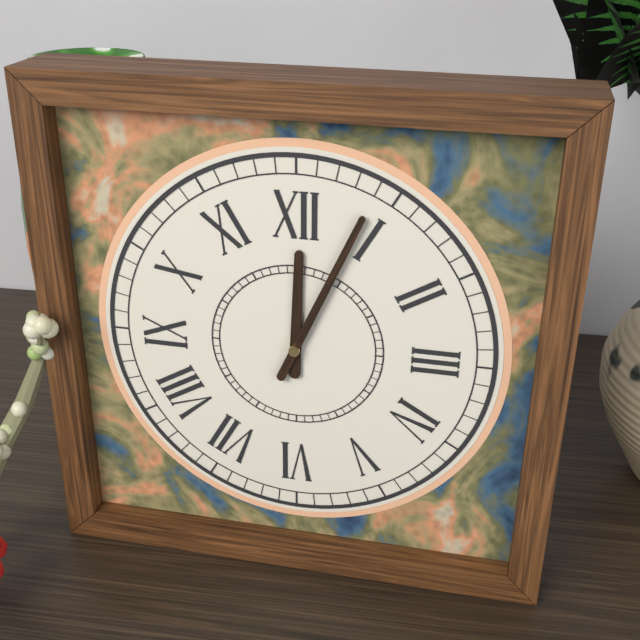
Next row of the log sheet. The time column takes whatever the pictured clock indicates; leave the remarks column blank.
12:04
